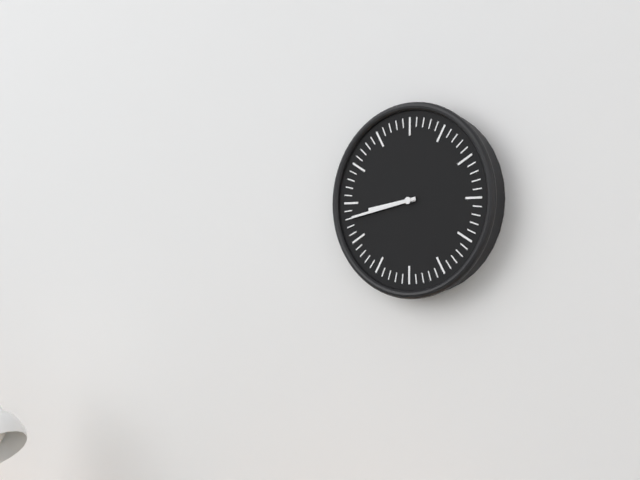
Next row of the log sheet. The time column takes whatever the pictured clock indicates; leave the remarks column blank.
8:43
